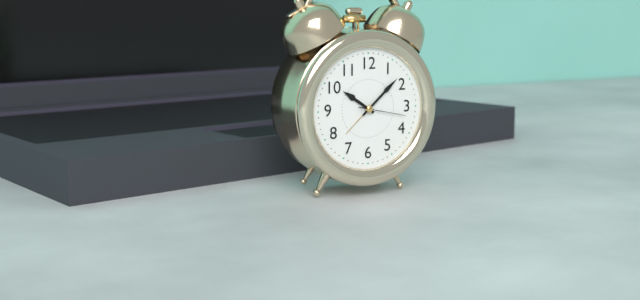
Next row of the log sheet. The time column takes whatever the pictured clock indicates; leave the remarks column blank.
10:08
